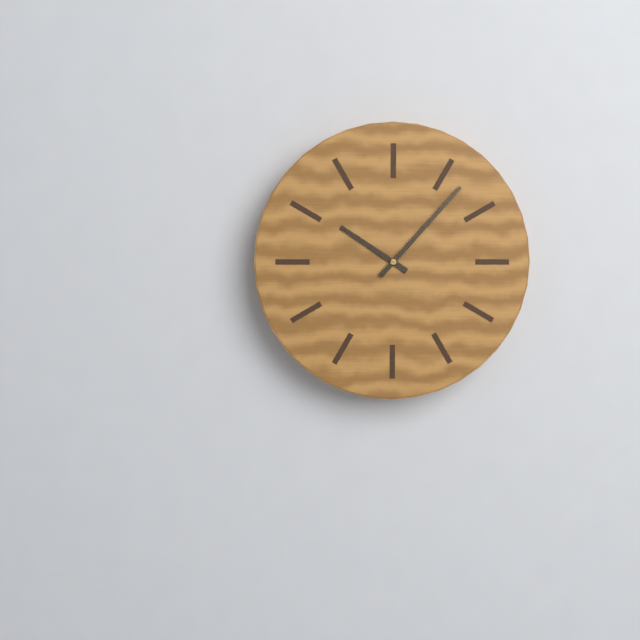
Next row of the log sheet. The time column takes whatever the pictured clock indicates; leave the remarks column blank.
10:07
